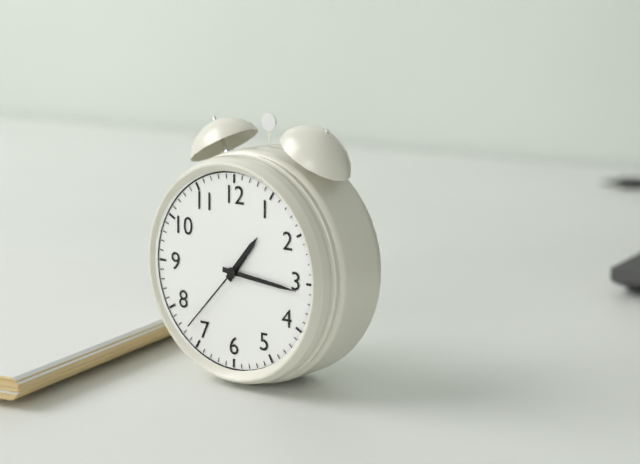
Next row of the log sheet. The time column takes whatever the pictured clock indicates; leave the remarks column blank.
1:16:37
